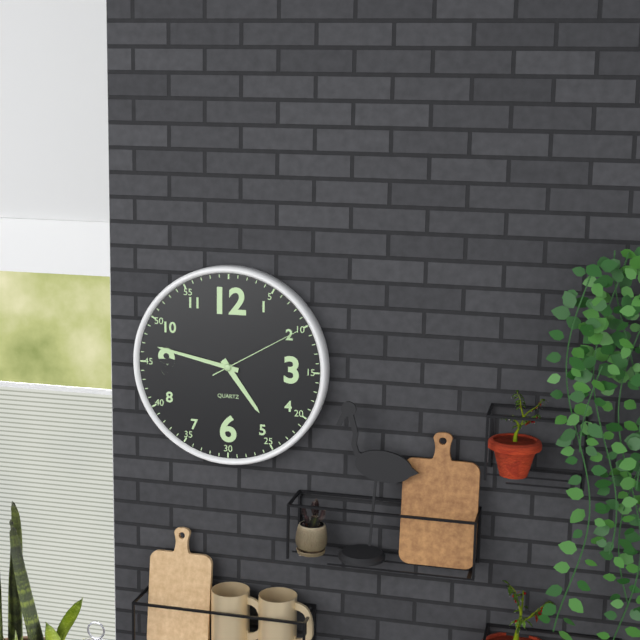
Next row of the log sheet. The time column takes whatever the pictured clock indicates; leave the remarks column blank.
4:47:10
